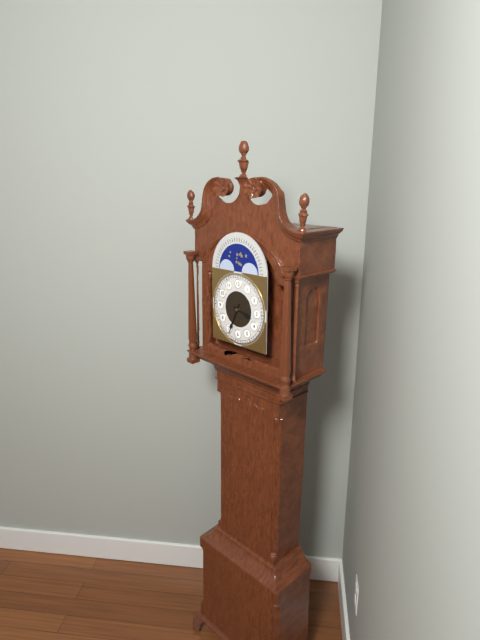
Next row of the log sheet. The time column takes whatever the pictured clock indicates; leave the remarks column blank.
3:34
